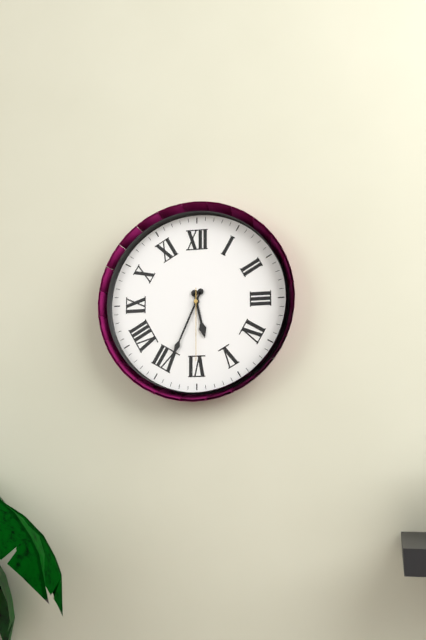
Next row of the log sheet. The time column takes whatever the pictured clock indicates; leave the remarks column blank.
5:34:30
